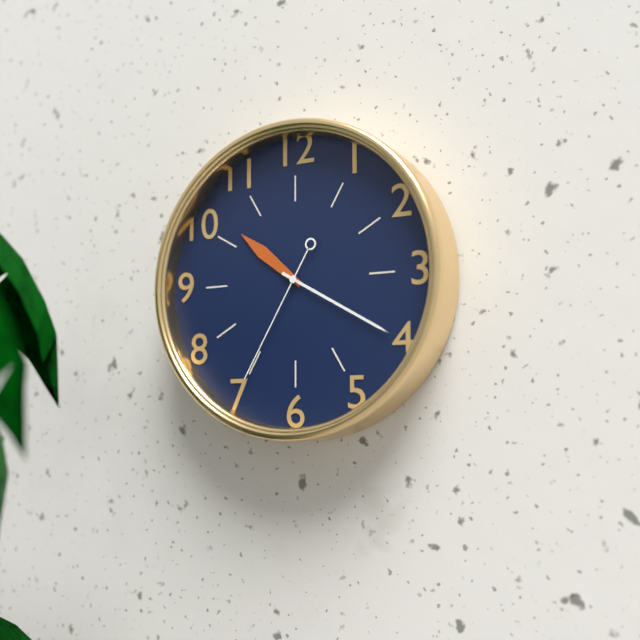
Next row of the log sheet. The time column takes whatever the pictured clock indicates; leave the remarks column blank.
10:20:35
